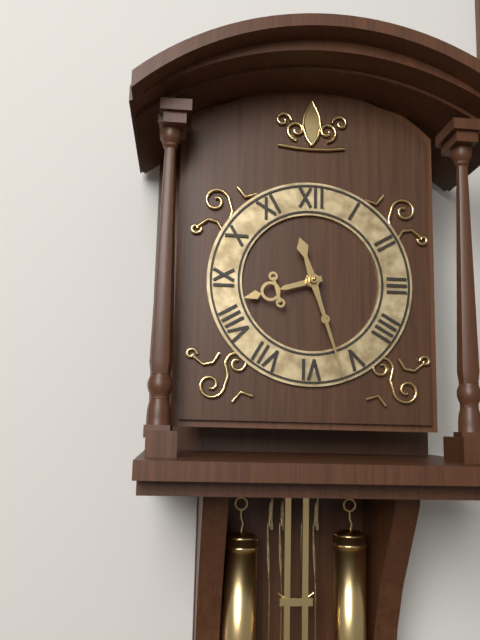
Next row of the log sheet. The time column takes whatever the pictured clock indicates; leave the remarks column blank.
8:27
